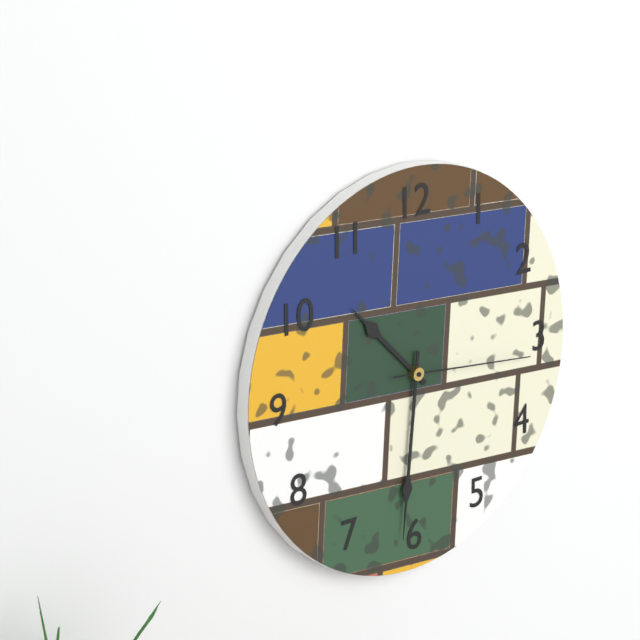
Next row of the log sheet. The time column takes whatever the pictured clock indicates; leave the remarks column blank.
10:31:16
